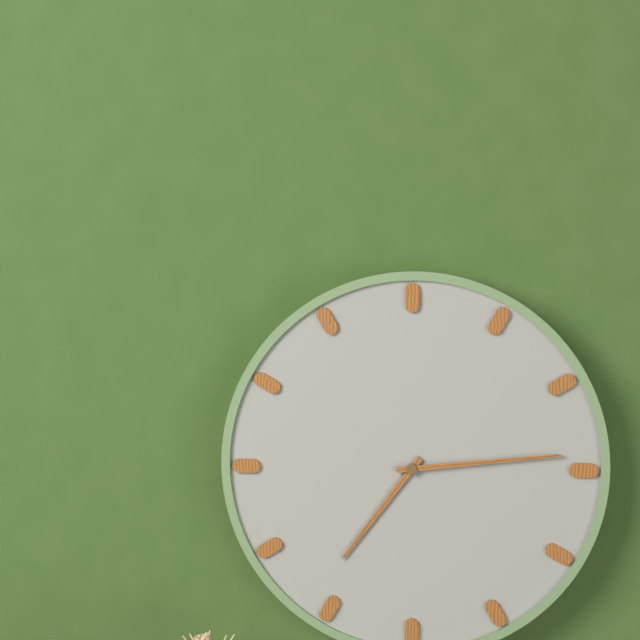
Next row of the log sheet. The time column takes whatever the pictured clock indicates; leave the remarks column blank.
7:14
